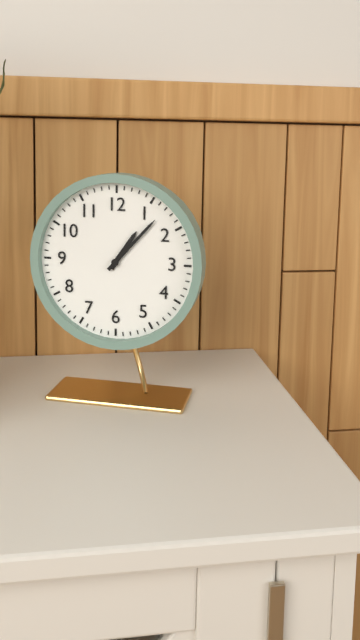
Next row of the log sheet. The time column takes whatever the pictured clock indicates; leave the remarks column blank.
1:07
